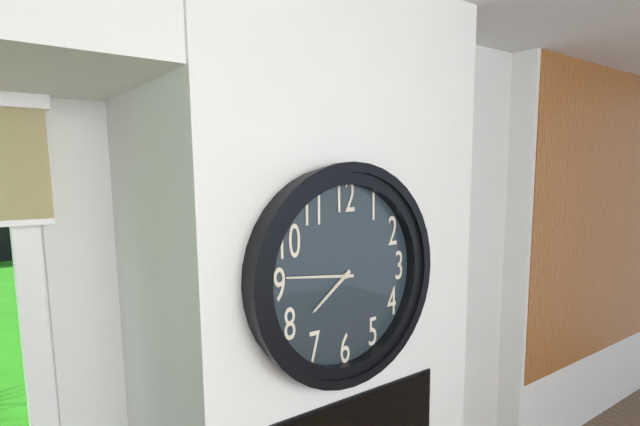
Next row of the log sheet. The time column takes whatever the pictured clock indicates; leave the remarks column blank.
7:46
